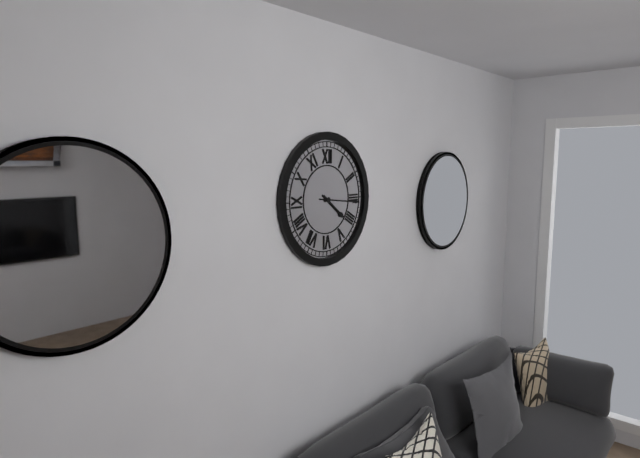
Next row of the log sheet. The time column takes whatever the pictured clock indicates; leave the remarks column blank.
4:16
